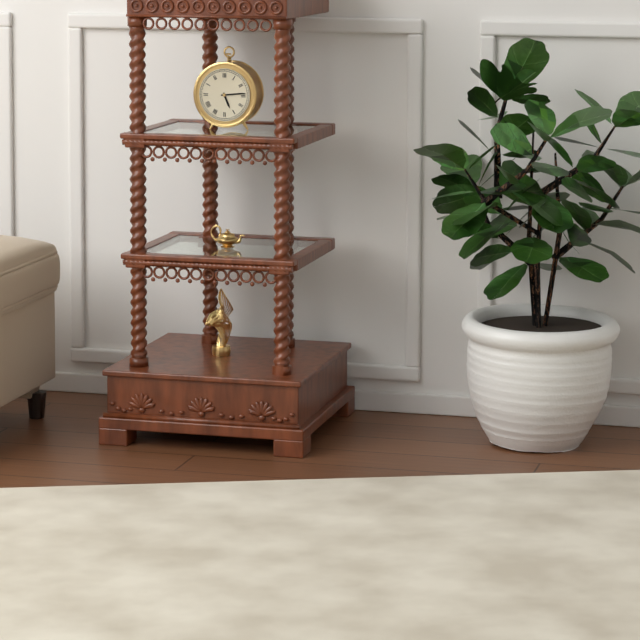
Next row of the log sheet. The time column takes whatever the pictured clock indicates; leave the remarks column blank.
5:14
